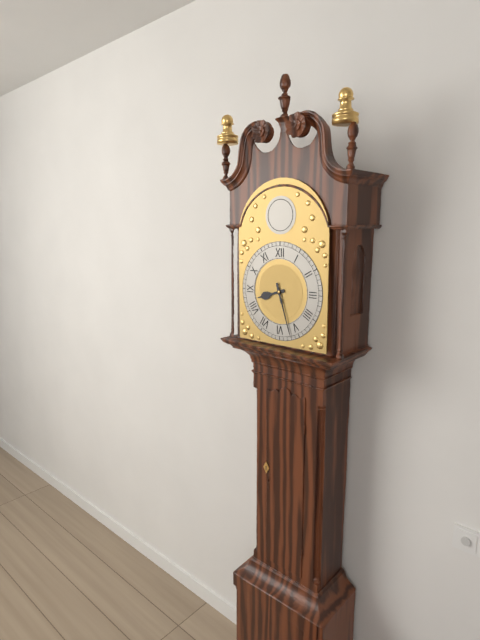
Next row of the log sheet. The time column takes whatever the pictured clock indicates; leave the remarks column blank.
8:27
